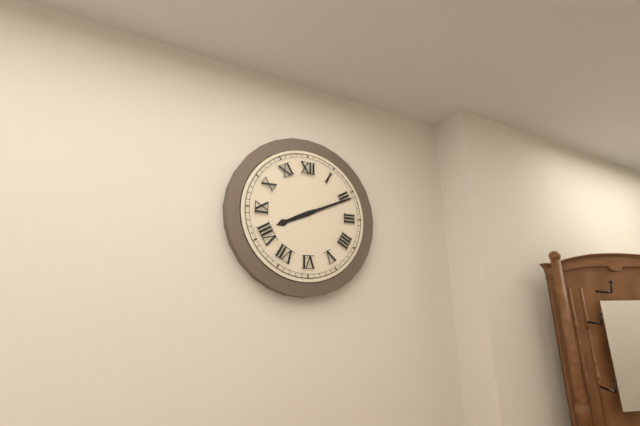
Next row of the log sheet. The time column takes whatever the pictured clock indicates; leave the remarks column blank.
8:11
